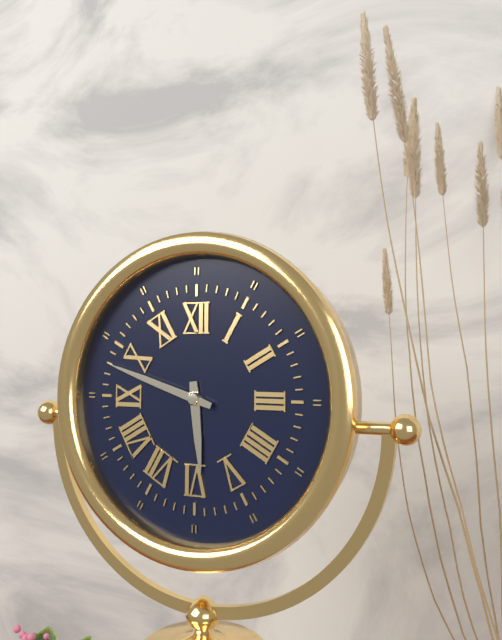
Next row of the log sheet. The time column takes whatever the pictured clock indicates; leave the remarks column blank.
5:48
